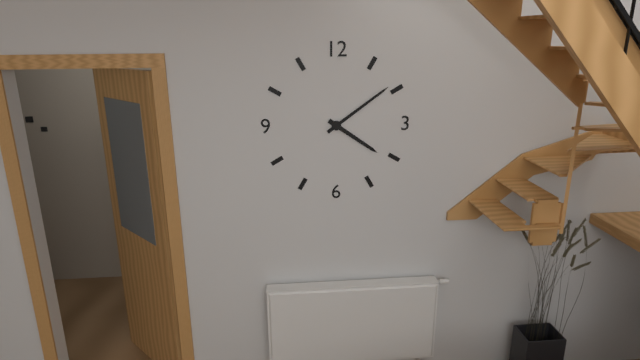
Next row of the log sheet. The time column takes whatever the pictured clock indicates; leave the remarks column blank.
4:09
